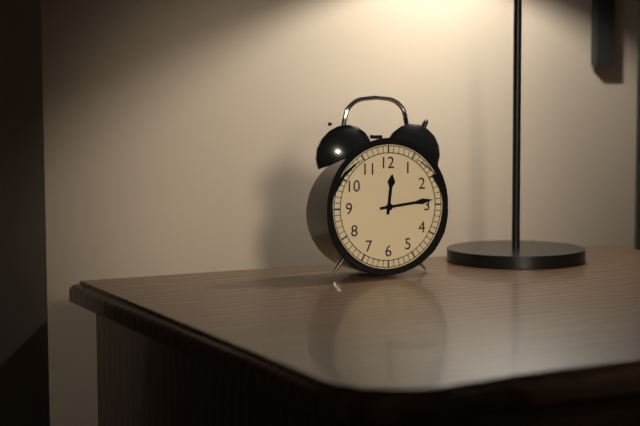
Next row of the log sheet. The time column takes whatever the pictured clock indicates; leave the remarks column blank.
12:14
